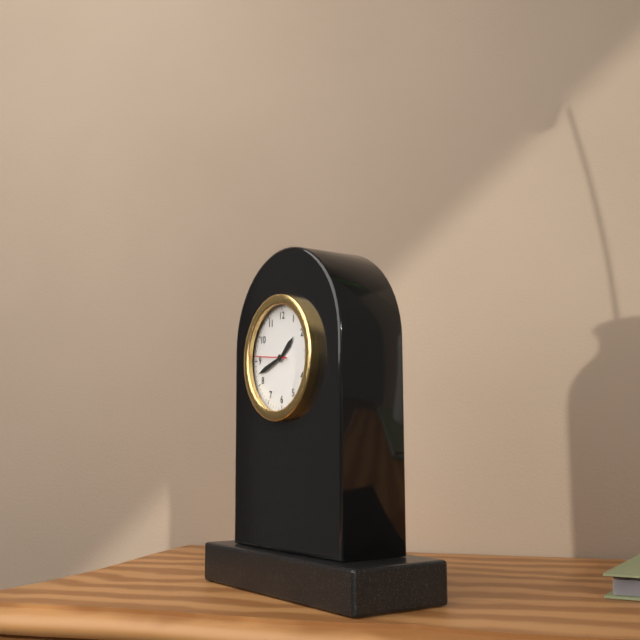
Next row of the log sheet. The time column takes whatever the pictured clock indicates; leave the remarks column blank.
1:42
